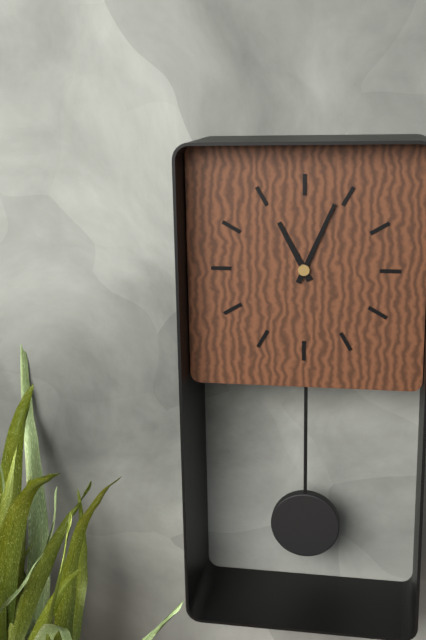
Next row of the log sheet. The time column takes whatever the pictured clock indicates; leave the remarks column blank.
11:04
